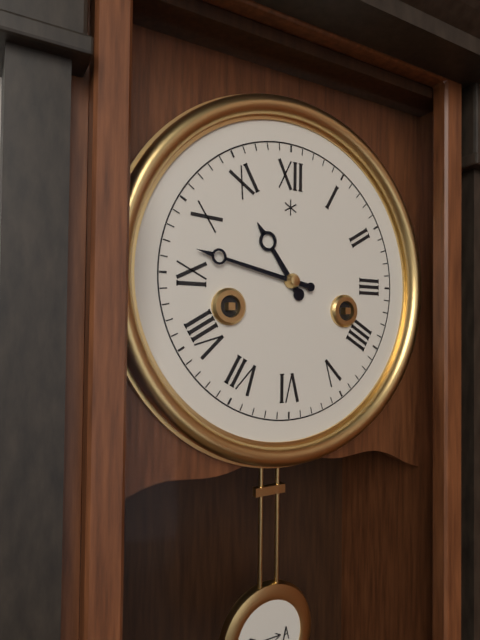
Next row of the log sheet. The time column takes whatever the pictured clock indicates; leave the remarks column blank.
10:47
